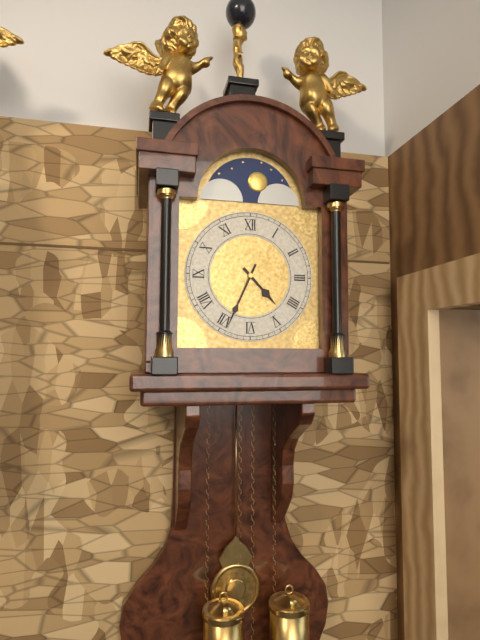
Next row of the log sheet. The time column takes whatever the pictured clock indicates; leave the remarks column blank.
4:34
